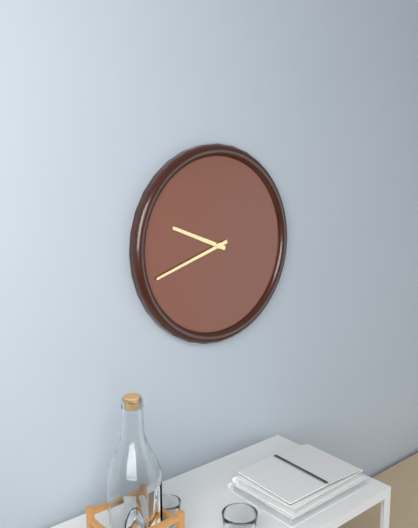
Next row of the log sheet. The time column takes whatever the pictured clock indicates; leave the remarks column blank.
9:42
